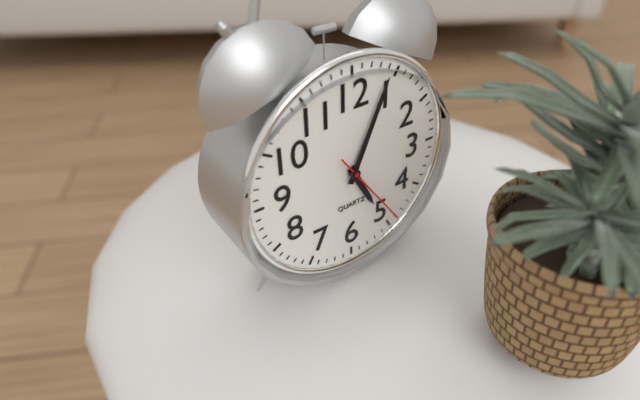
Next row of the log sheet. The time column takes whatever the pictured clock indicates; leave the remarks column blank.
5:04:24
